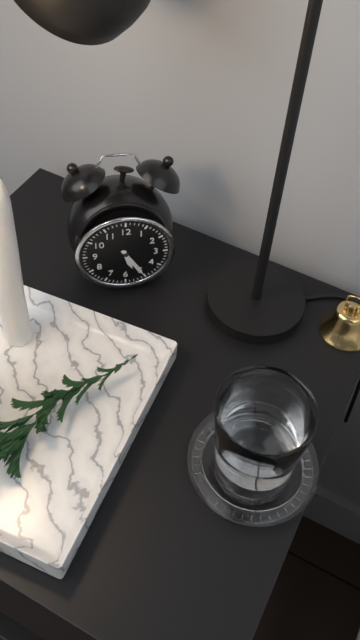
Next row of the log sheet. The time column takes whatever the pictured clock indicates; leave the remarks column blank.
5:25
